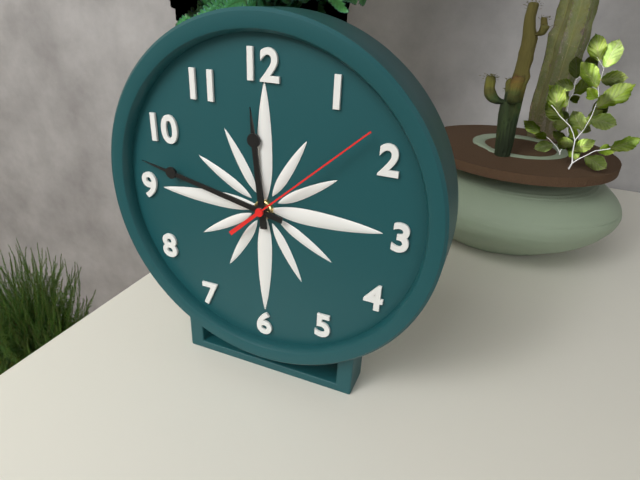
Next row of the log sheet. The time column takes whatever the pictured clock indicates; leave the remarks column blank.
11:47:08
